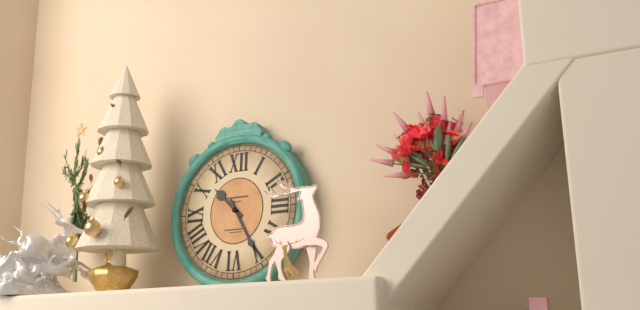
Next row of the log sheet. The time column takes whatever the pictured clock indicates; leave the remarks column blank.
10:25
